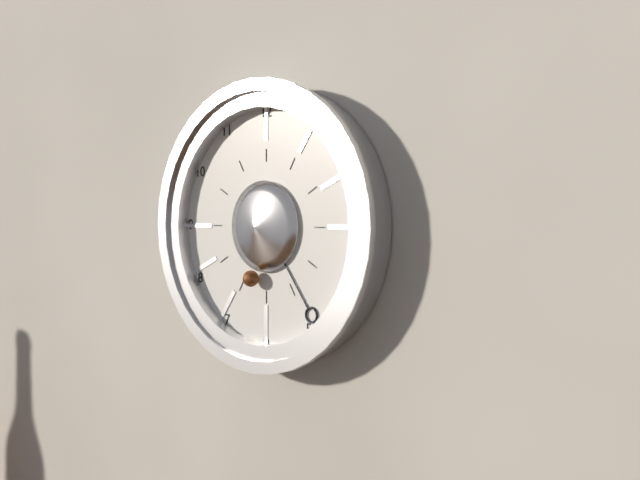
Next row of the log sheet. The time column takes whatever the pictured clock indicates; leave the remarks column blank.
6:24
